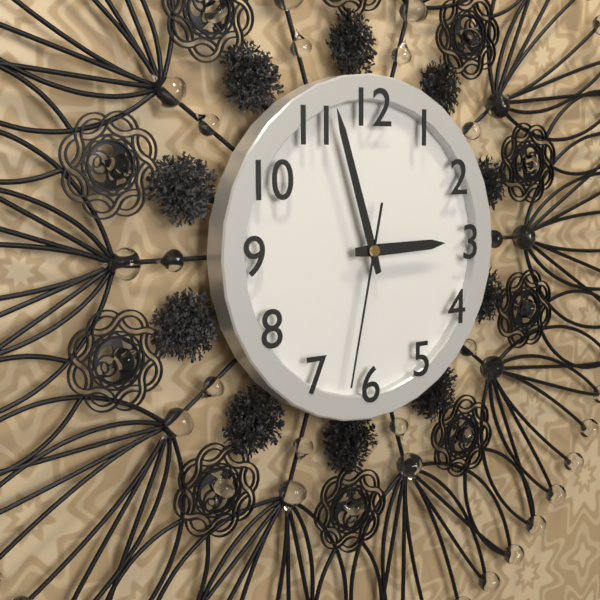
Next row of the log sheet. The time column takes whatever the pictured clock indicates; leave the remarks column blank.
2:57:32
